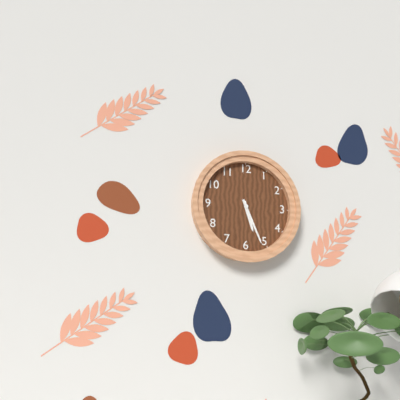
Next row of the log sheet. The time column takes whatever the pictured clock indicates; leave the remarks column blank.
5:26
